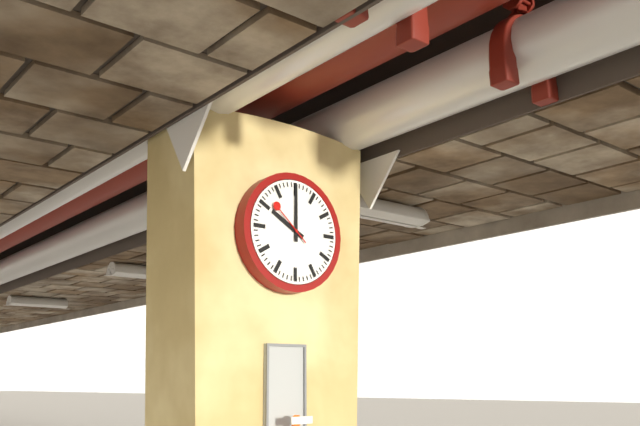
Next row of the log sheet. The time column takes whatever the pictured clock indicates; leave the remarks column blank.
10:00
